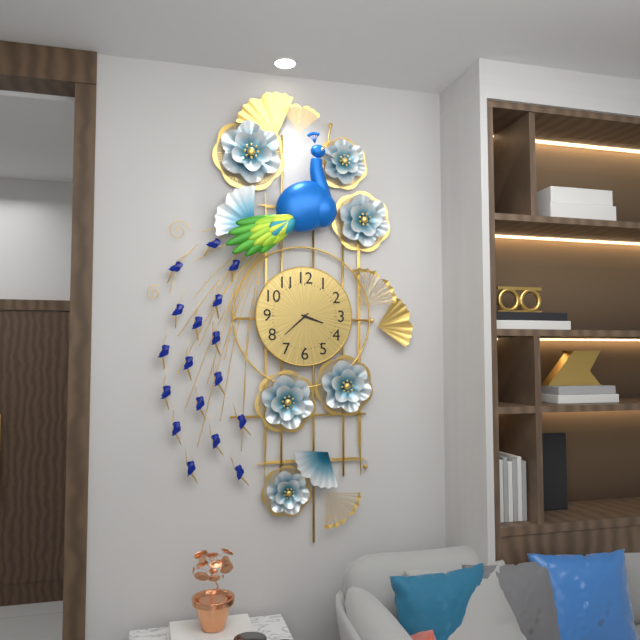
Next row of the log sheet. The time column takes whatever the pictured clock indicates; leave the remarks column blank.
3:38
